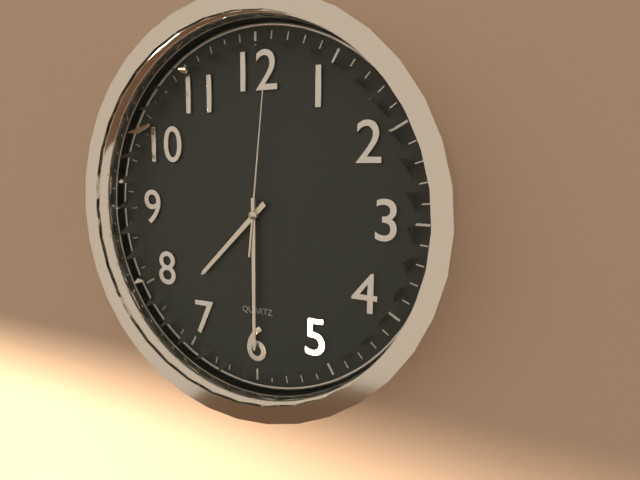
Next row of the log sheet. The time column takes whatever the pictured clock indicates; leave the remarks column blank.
7:30:01
